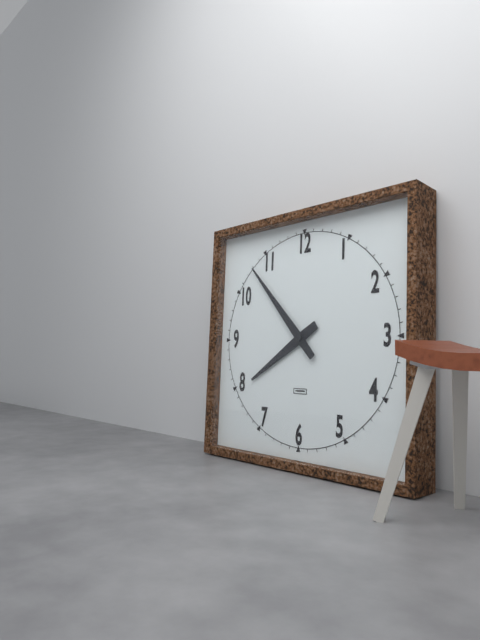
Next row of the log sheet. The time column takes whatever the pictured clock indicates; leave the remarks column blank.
7:53
